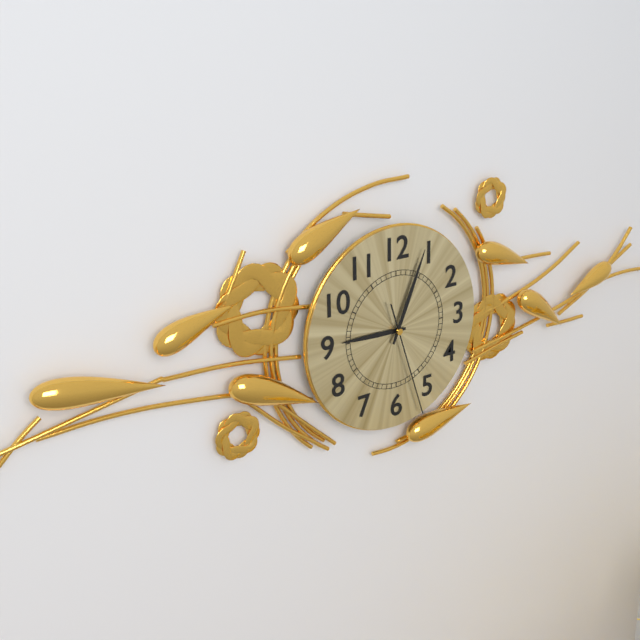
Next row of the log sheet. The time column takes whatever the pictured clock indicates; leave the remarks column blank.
9:04:27
